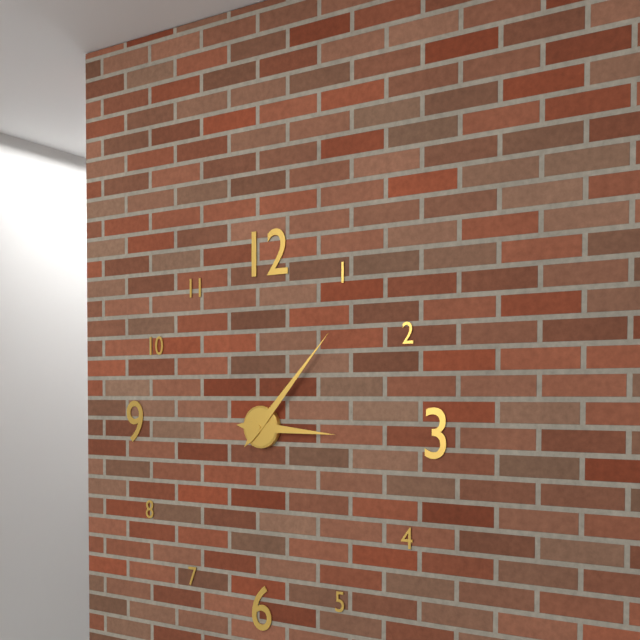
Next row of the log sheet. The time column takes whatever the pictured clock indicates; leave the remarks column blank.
3:07
